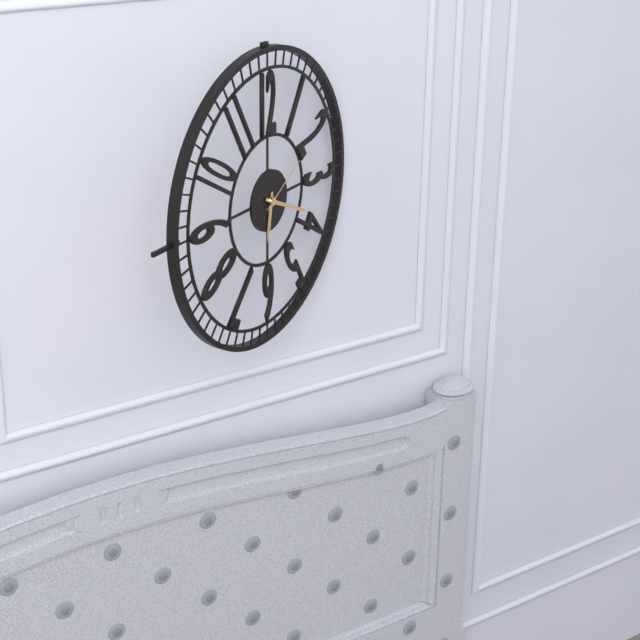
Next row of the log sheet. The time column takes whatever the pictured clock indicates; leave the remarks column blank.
6:19:10
